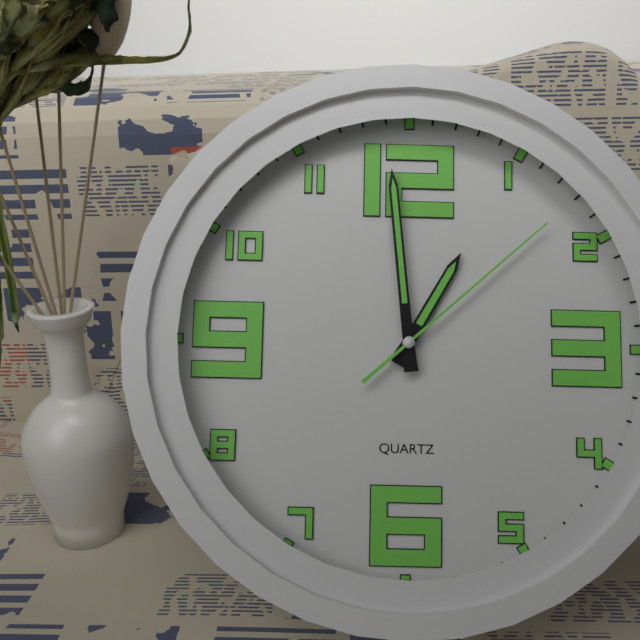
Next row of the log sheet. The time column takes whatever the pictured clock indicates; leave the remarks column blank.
12:59:08
